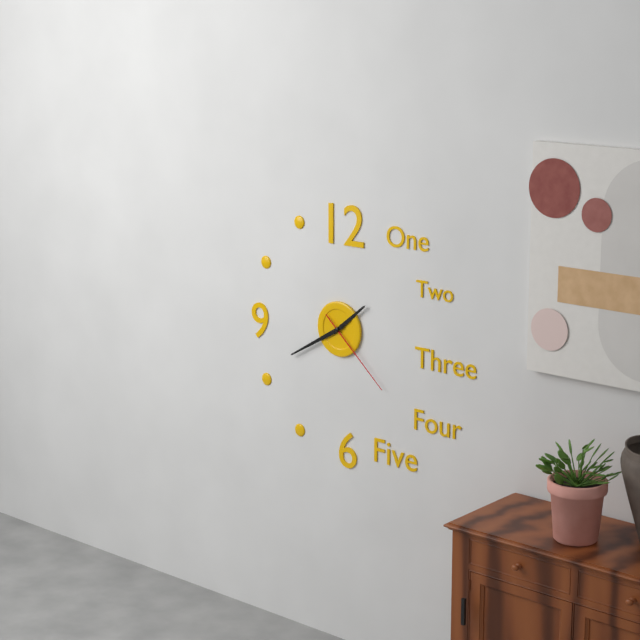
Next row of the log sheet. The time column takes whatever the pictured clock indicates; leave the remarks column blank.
1:40:22
